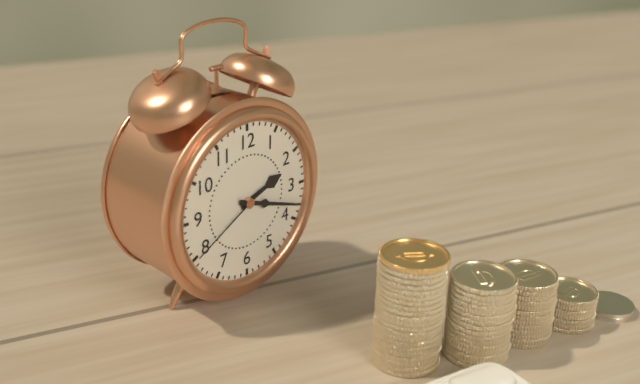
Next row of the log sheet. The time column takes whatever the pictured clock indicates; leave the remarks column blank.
2:18:40
